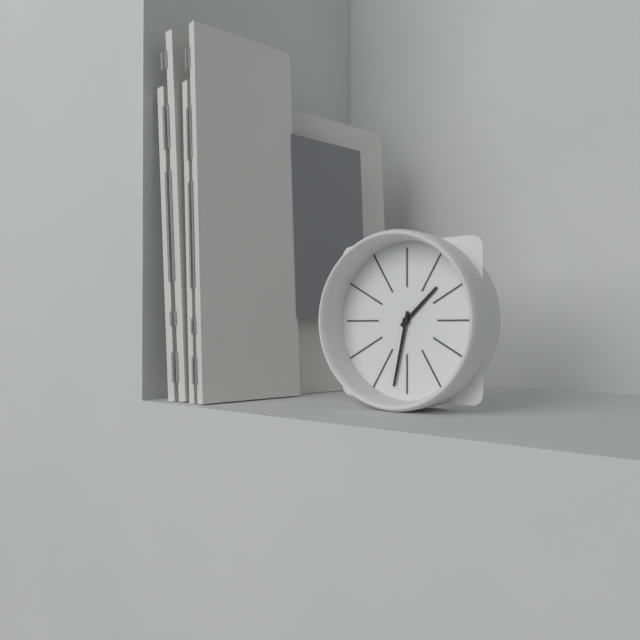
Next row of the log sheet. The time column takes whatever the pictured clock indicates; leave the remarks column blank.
1:32
